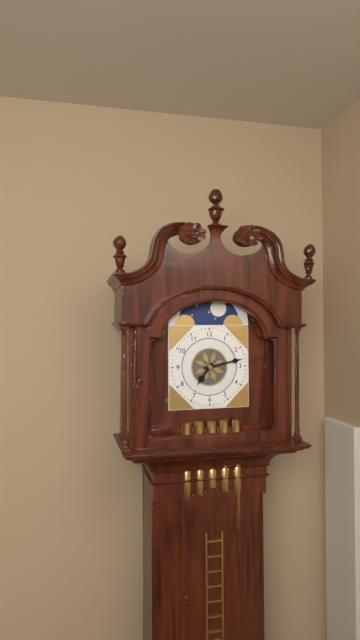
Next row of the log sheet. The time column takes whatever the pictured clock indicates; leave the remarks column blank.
7:13
